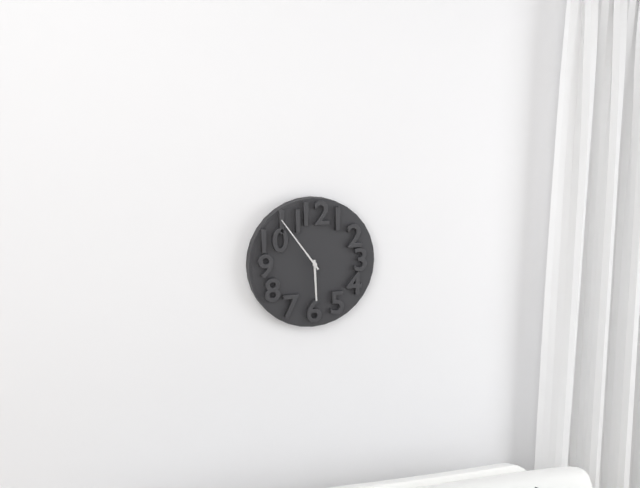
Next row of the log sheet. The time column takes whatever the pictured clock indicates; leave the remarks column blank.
5:54
